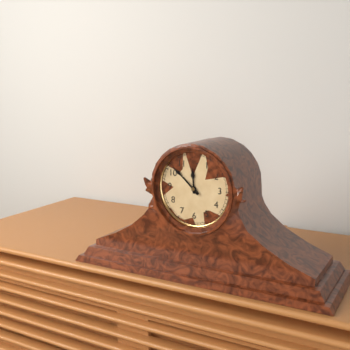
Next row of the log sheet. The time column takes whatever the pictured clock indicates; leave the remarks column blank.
11:52
